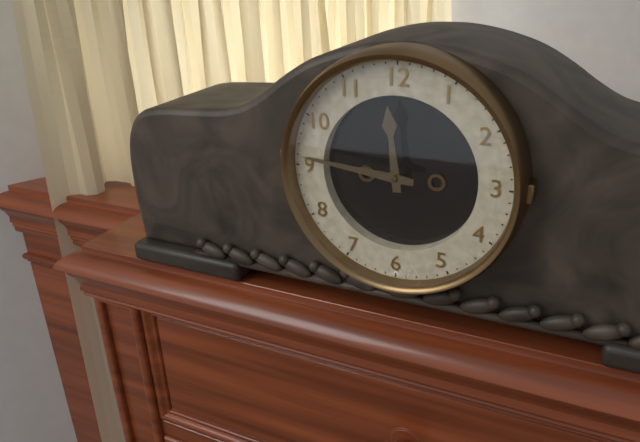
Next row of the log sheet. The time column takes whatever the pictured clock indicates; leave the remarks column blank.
11:46
